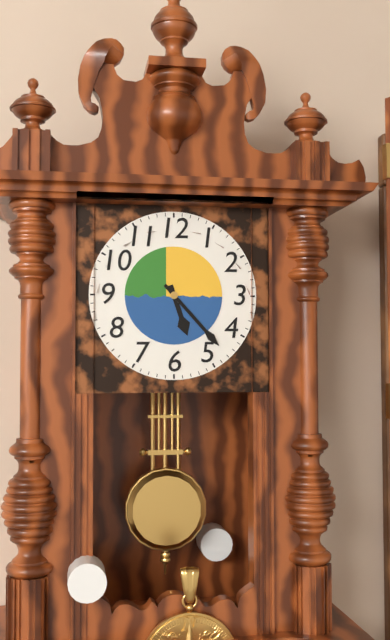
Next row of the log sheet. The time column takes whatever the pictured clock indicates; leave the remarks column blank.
5:23
